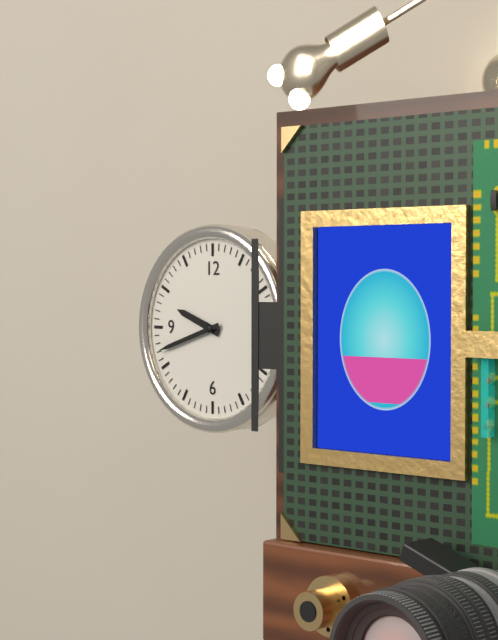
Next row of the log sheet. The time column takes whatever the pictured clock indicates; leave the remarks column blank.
9:42
